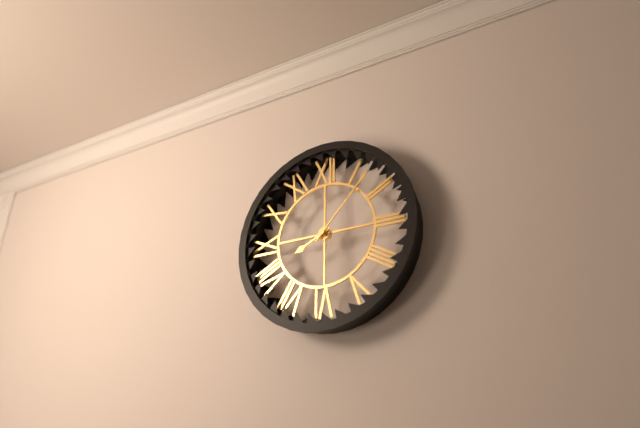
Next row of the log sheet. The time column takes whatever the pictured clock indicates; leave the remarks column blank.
8:07
